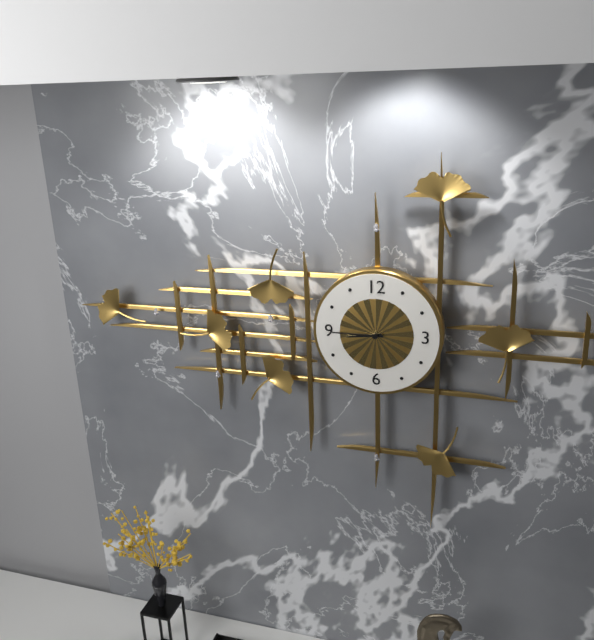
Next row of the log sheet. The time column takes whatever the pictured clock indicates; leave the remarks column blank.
8:45
